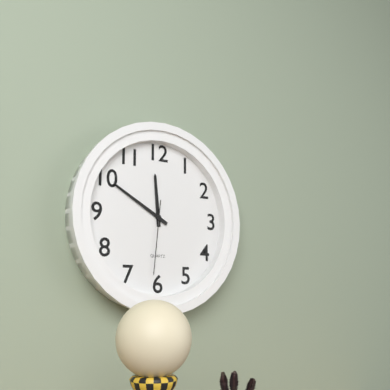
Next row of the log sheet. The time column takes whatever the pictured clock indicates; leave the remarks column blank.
11:50:31
